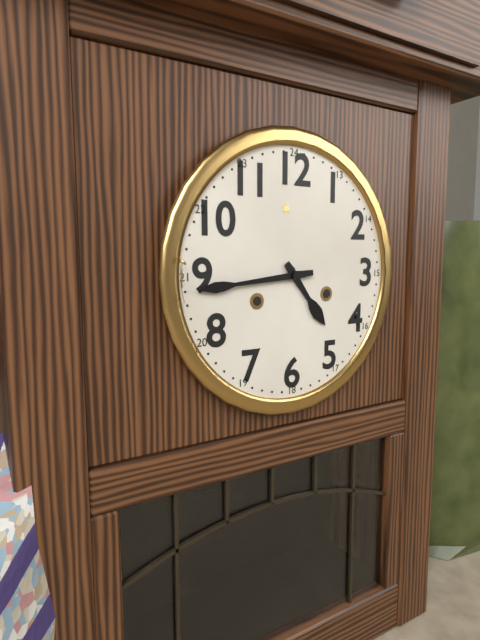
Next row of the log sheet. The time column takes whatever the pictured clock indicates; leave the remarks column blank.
4:44
